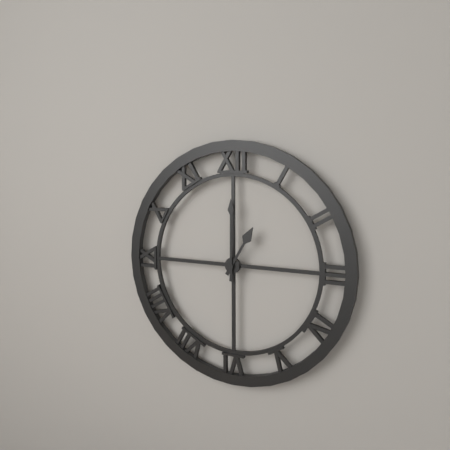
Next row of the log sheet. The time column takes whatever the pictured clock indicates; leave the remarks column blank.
1:00
